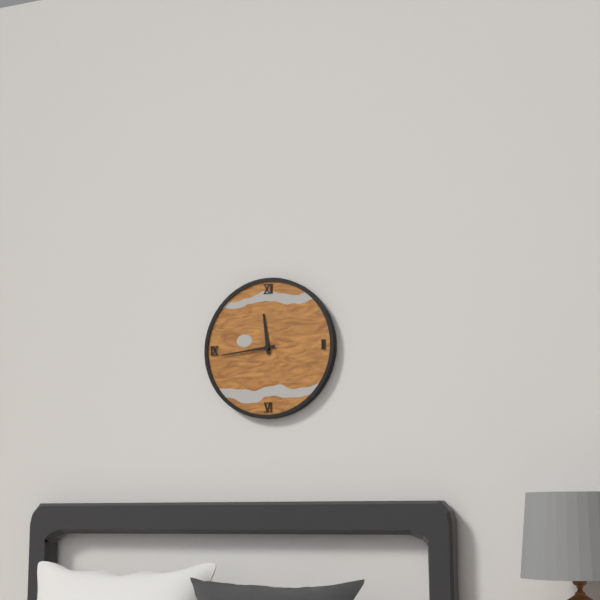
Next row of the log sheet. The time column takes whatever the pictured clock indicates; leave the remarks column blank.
11:44
